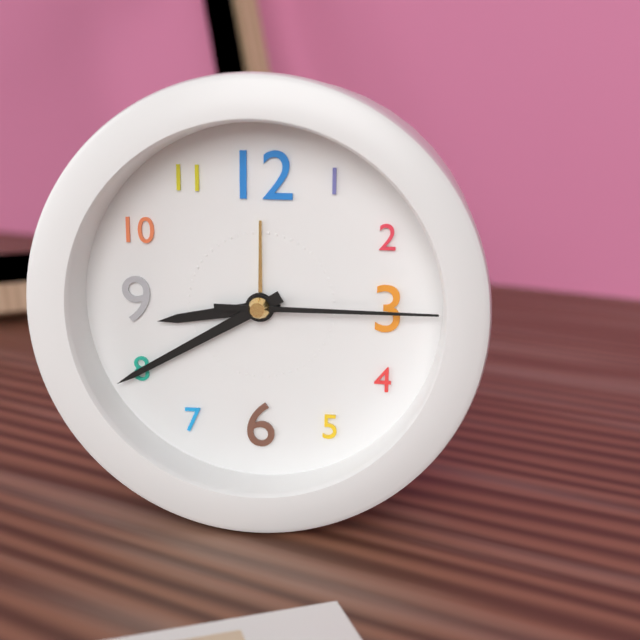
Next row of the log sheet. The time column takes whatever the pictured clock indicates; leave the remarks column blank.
8:40:15
